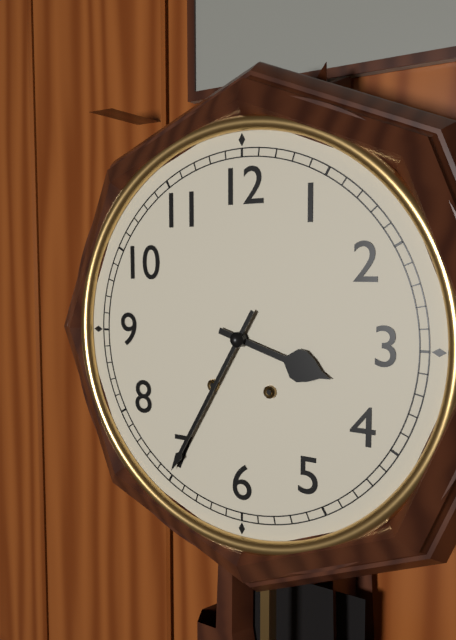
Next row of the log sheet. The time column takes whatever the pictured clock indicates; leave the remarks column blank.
3:35
